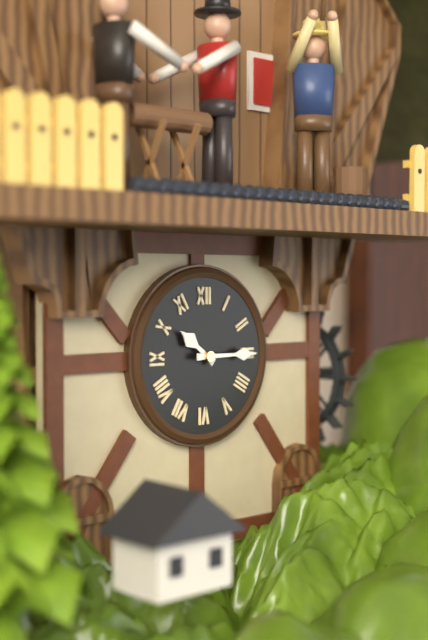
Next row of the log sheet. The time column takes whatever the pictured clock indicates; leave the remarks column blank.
10:15
